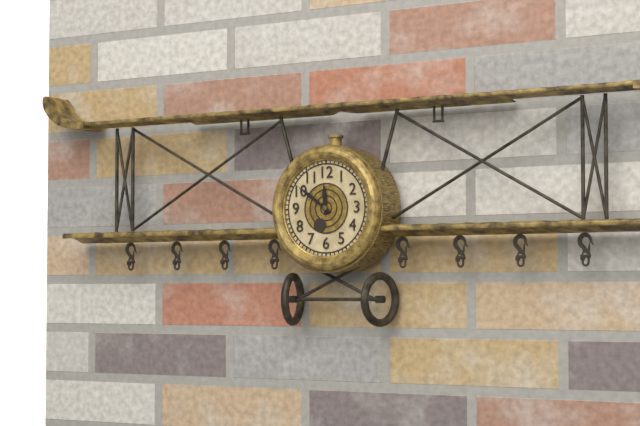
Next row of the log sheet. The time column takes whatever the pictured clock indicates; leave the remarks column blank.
11:51
